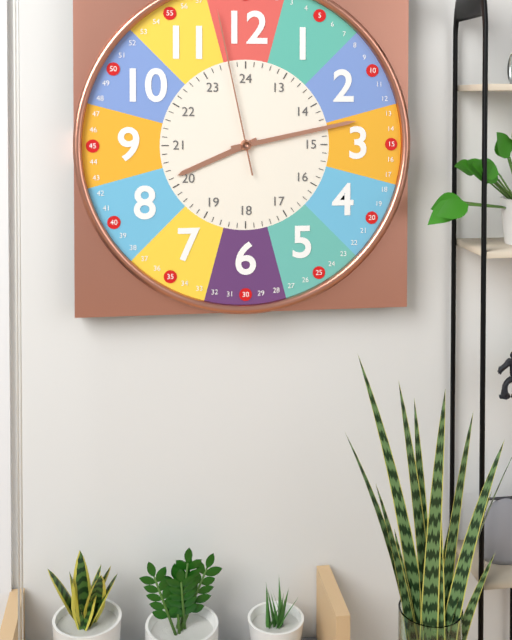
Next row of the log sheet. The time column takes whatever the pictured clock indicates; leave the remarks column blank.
8:13:58
